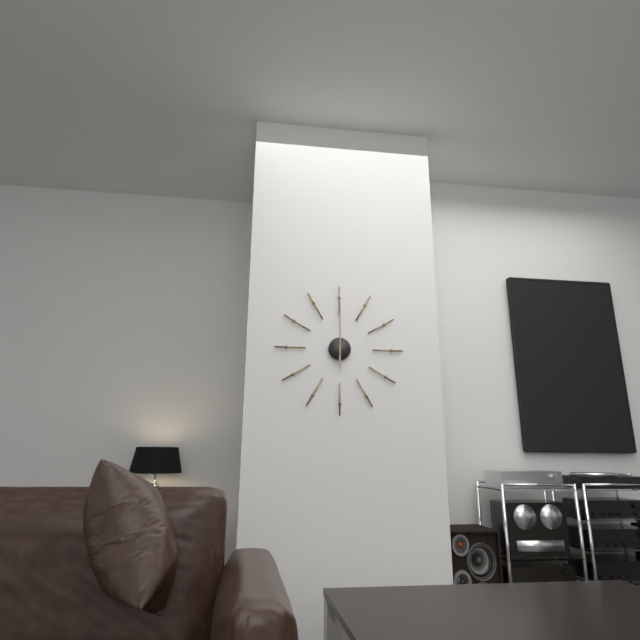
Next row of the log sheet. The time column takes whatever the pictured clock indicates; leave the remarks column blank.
6:00
